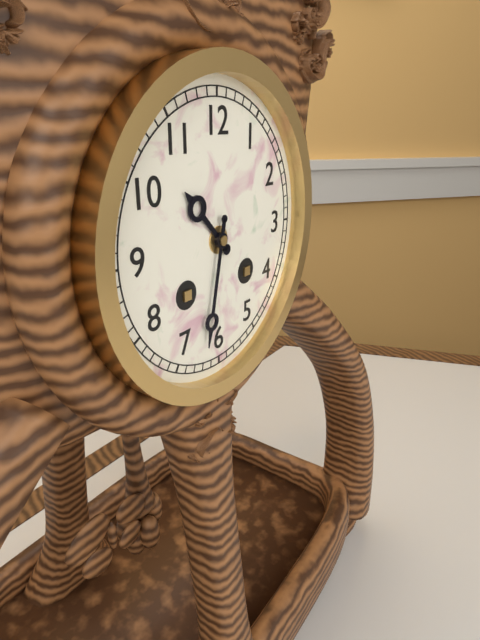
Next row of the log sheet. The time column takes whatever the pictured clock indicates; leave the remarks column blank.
10:32
